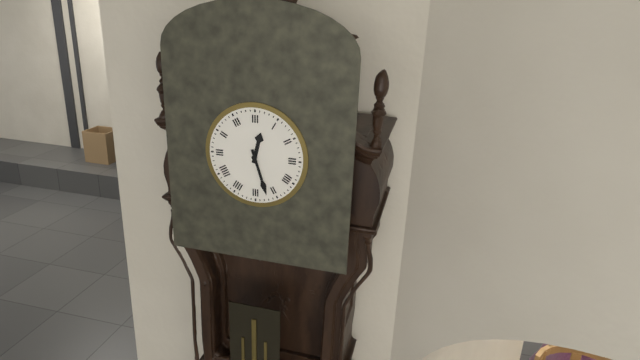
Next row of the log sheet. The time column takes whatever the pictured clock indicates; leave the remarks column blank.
12:27
